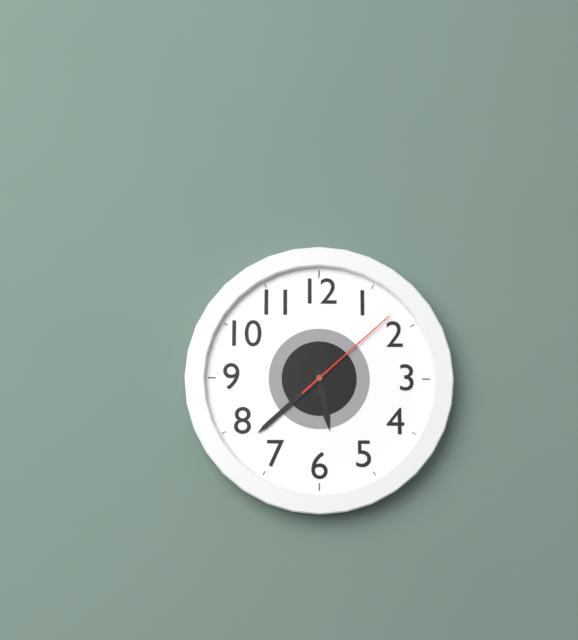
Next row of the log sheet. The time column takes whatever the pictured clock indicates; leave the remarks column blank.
5:38:08
